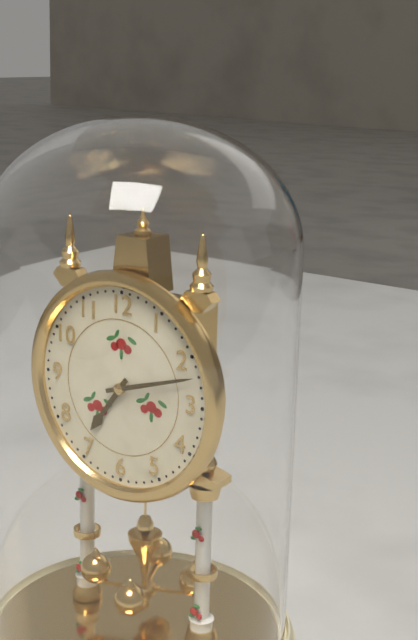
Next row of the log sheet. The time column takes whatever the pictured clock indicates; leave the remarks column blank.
7:12
